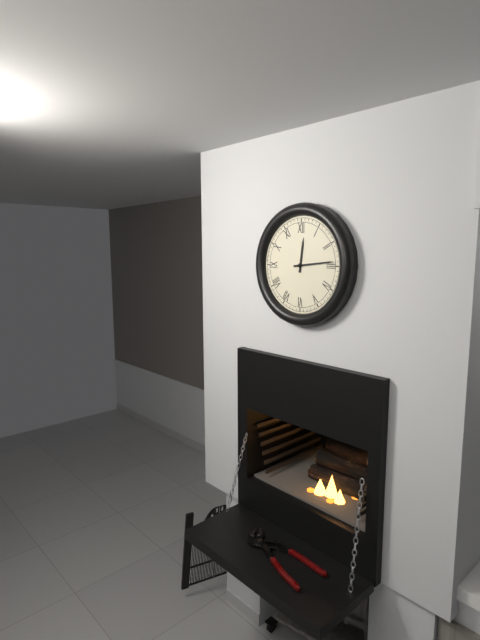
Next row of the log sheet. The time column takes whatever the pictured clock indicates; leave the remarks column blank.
12:14
